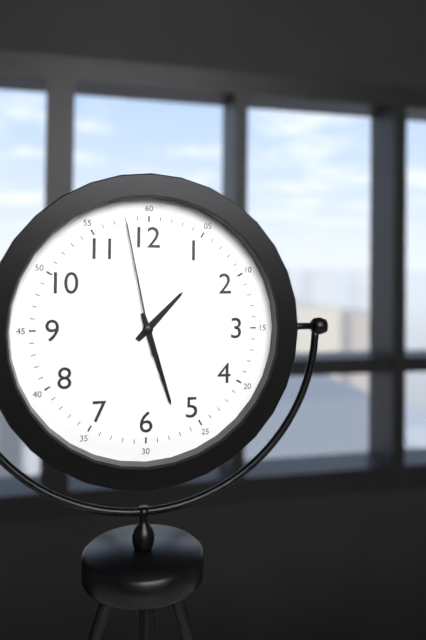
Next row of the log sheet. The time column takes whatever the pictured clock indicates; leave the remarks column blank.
1:27:58
